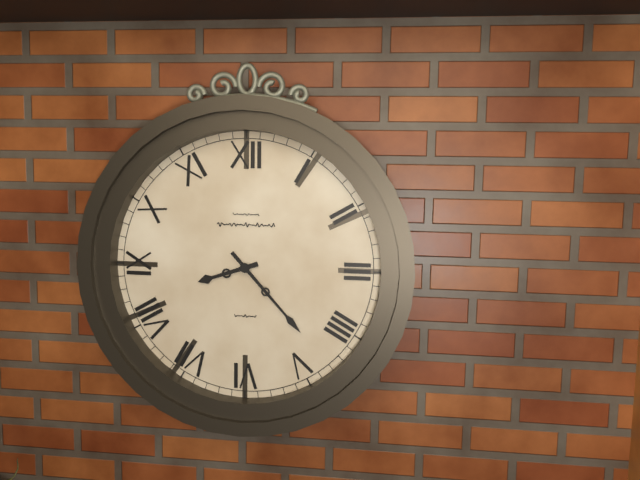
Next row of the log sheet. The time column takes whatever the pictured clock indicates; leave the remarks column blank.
8:23
